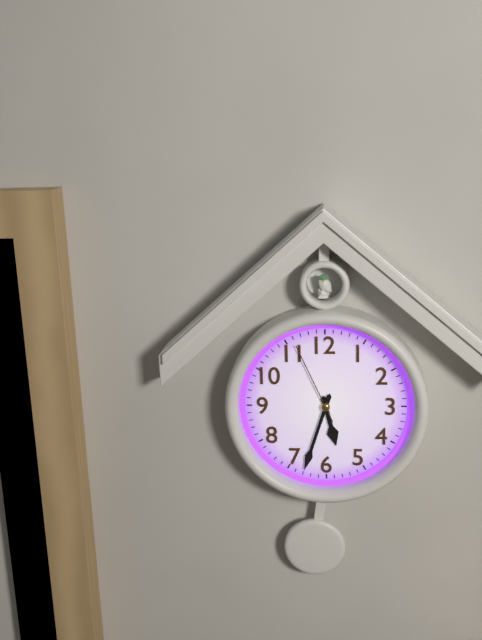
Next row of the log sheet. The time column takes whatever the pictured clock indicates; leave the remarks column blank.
5:33:56
